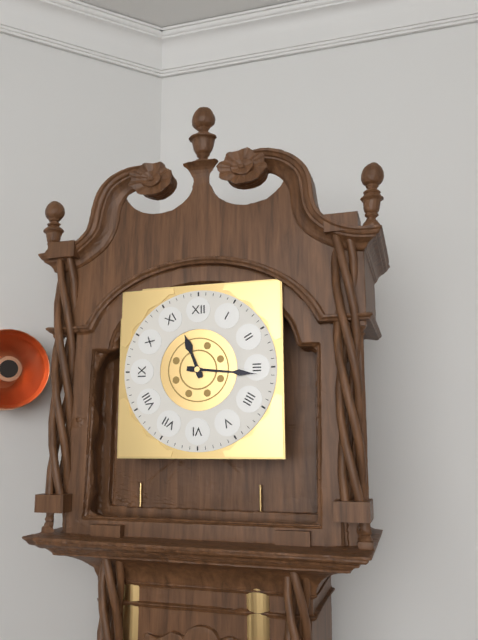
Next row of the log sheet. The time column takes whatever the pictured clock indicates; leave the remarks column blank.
11:16
